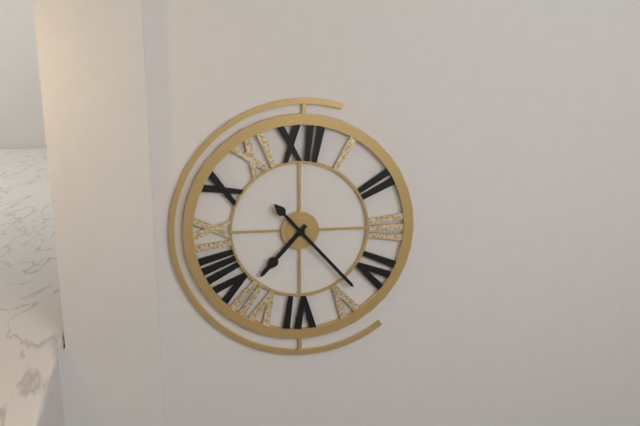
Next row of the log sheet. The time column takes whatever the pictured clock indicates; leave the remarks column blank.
7:23
